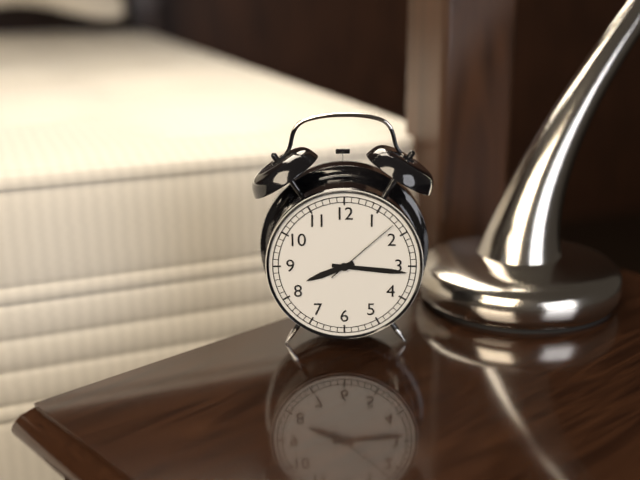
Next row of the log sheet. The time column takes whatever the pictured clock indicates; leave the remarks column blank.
8:16:08
